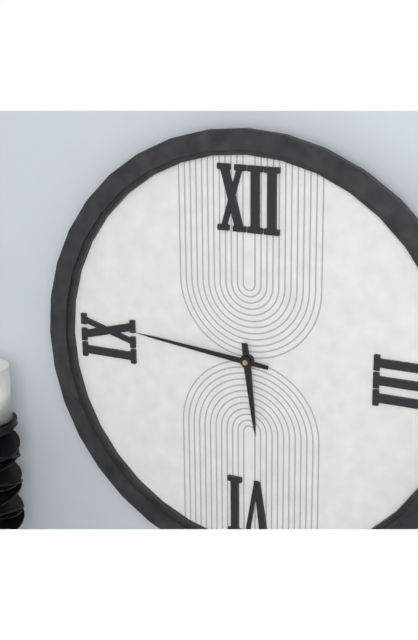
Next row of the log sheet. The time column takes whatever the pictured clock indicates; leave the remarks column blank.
5:46
